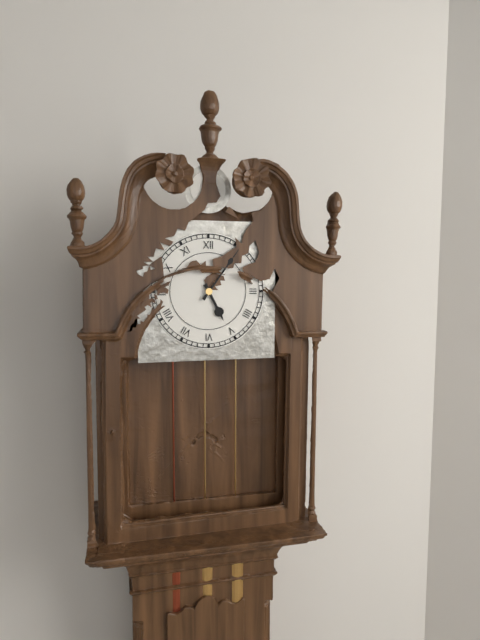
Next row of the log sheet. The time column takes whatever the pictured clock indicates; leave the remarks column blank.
5:06
